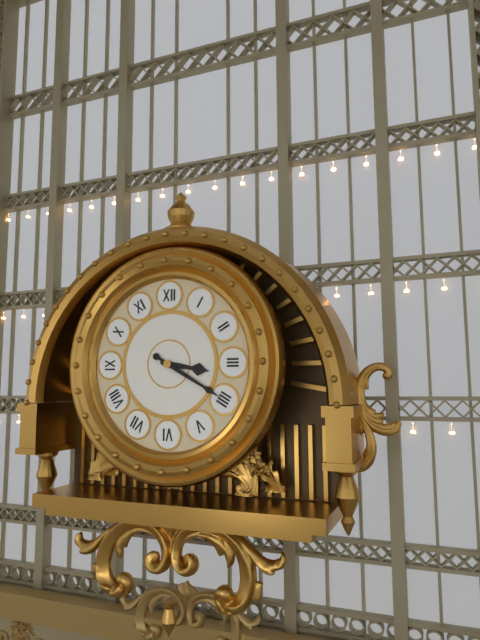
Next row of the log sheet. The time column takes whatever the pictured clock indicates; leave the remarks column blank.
3:20
